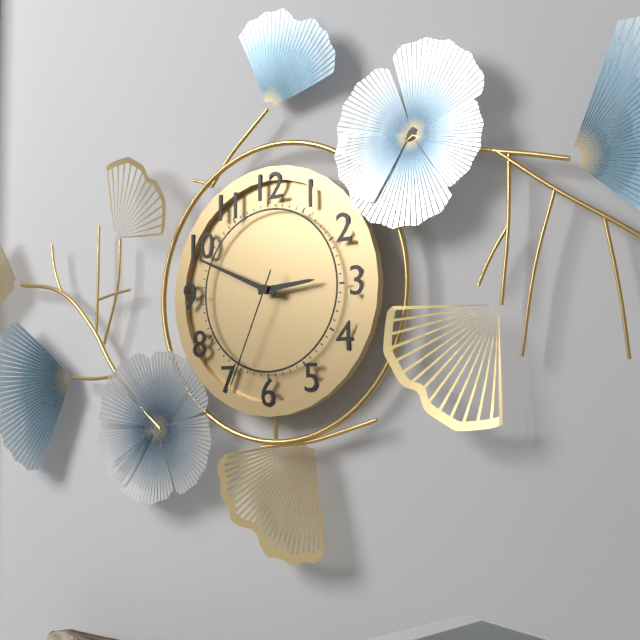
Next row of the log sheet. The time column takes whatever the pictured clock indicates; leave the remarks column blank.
2:49:34
